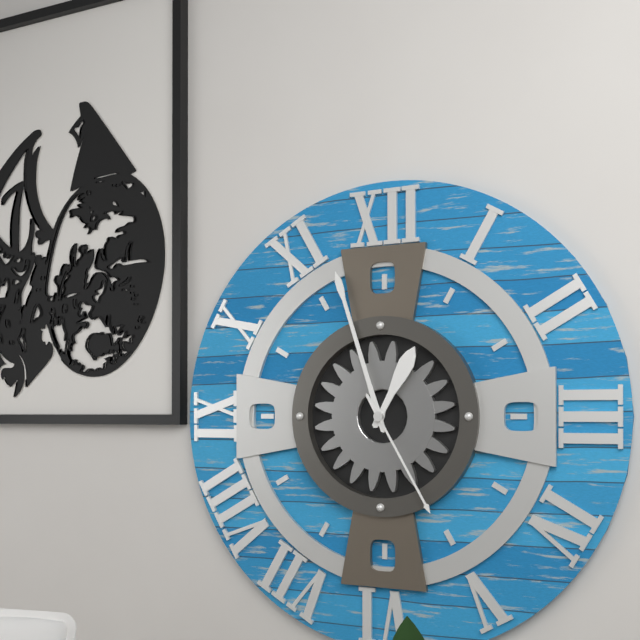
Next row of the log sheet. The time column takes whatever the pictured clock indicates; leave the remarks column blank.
12:57:25
